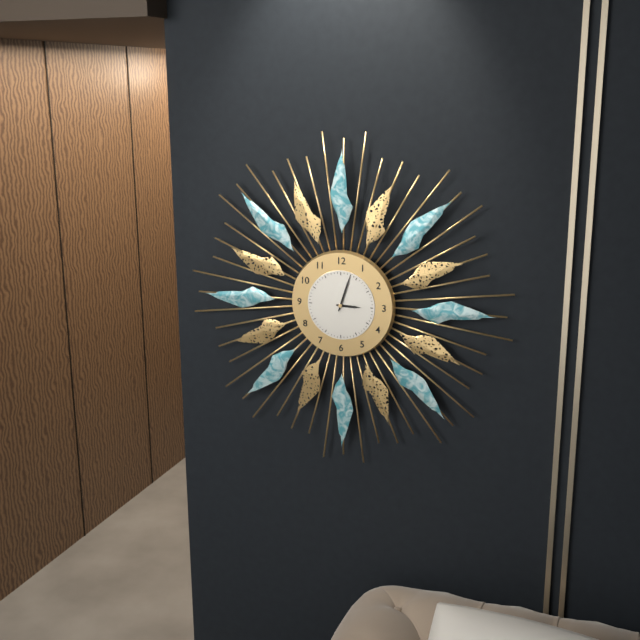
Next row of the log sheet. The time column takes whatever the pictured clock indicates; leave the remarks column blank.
3:03
